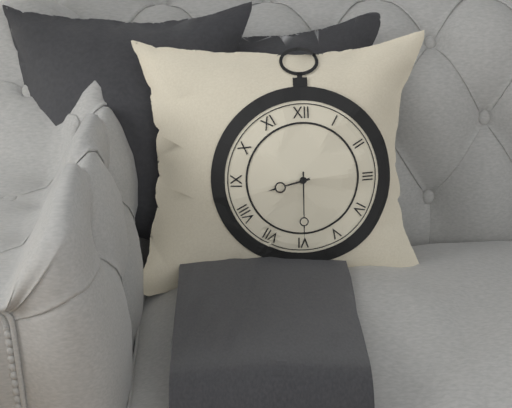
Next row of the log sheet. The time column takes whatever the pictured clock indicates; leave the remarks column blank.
8:30
